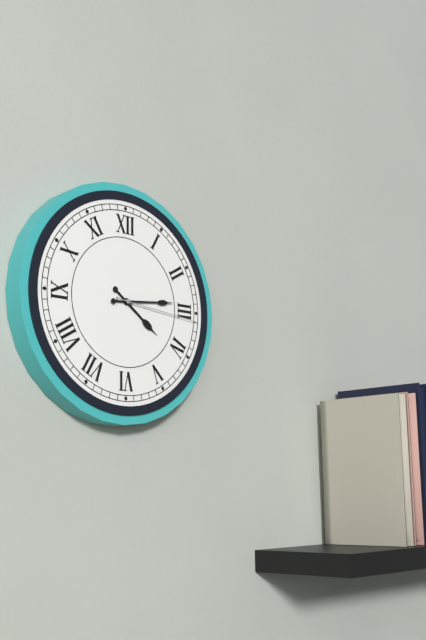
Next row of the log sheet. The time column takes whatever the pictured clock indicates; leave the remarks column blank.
4:14:16
